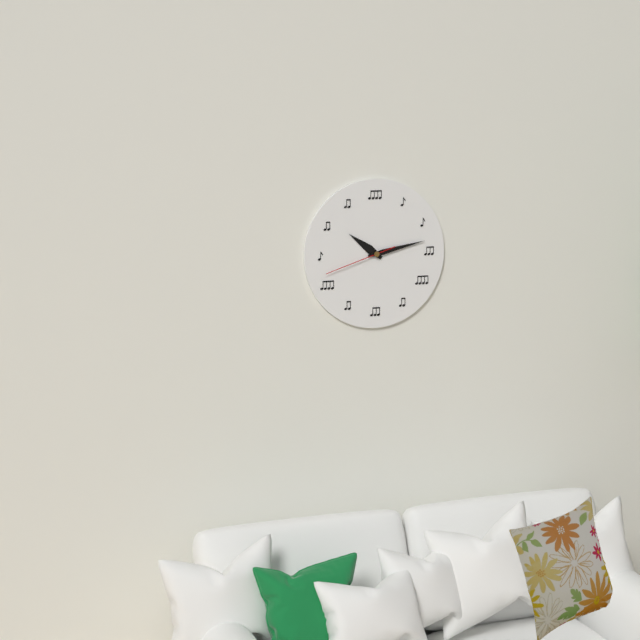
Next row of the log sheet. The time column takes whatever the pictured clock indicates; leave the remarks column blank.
10:13:42
